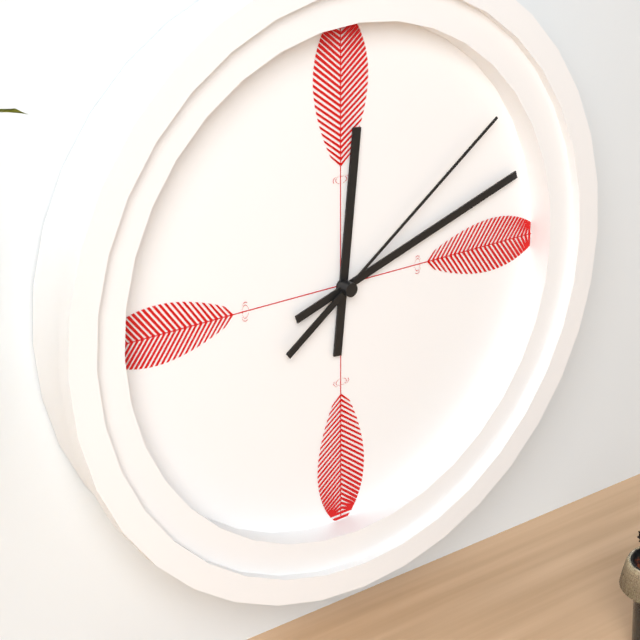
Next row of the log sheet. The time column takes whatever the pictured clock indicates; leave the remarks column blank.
12:12:09
